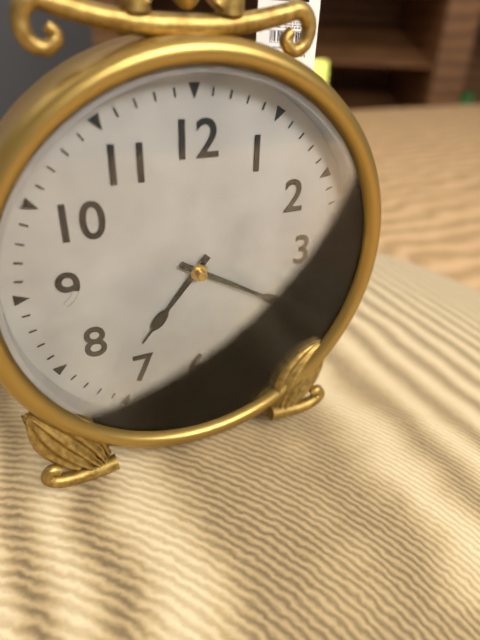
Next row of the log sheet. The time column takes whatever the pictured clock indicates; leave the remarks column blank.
7:20
